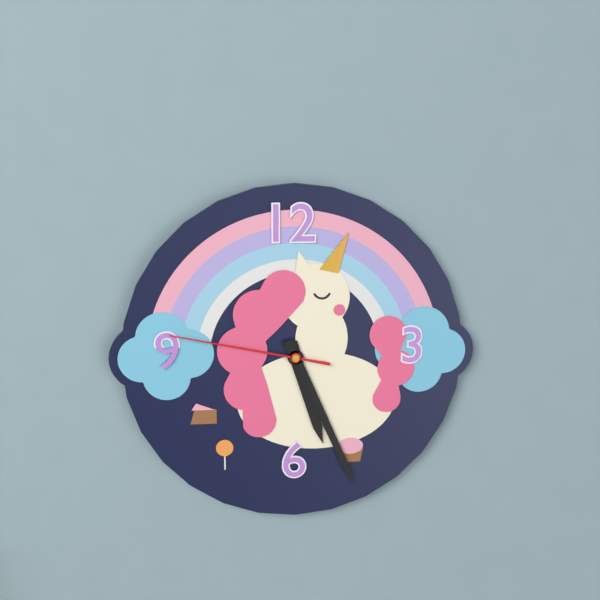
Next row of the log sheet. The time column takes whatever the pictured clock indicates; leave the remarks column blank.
5:26:47
